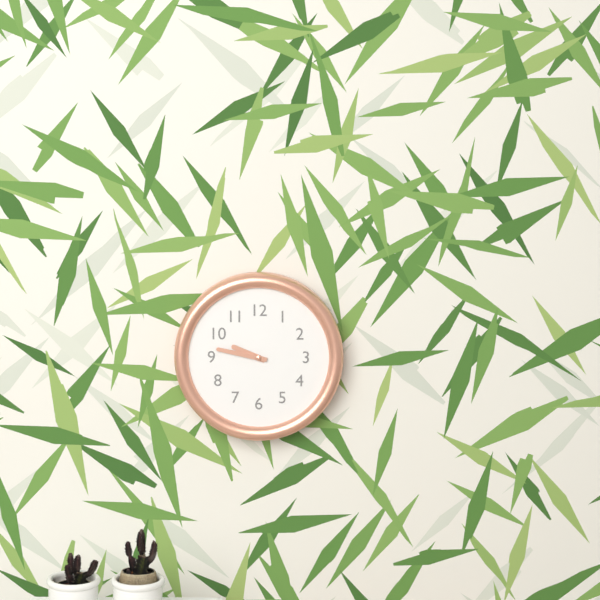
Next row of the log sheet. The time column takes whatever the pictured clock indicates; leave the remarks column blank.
9:47
